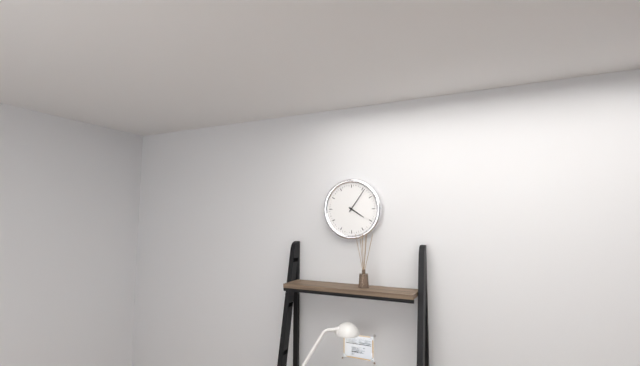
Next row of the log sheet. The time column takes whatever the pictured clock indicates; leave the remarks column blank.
4:06
